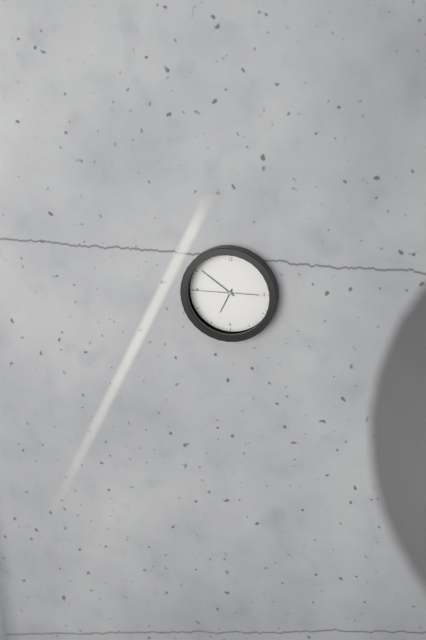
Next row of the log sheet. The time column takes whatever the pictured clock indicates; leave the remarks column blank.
6:51
